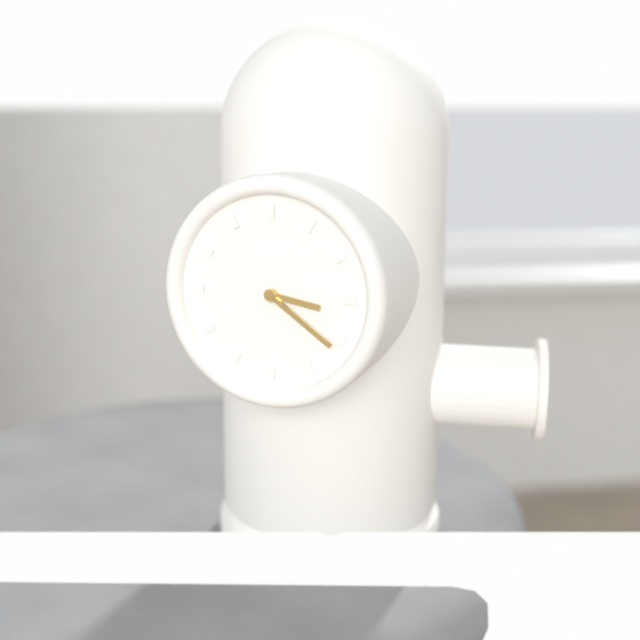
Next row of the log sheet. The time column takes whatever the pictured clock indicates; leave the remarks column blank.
3:21
